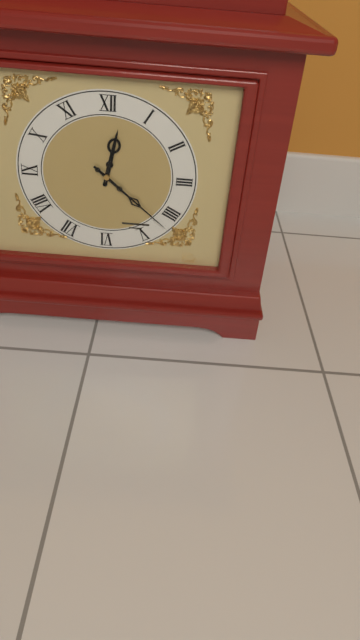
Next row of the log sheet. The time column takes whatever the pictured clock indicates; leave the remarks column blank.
12:22
